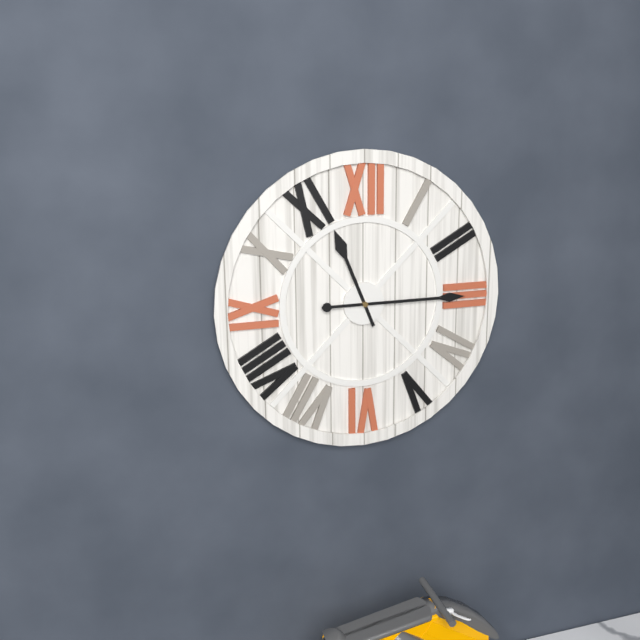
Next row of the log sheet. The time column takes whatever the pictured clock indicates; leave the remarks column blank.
11:15
